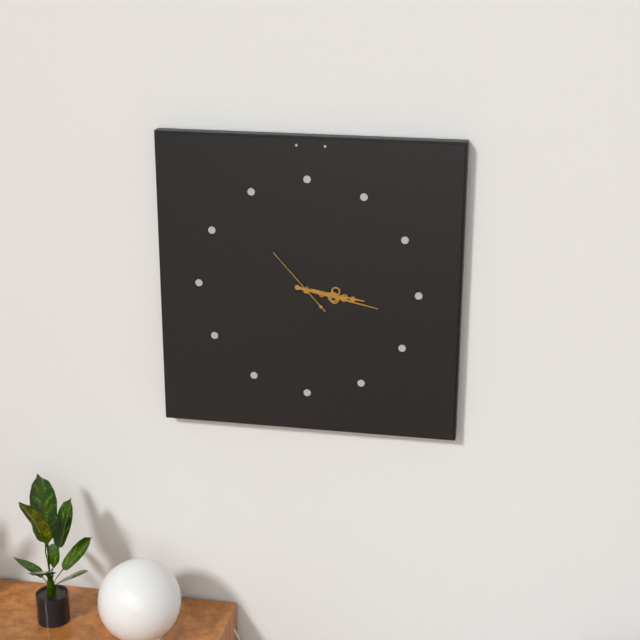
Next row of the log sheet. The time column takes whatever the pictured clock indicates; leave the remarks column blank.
3:17:53
